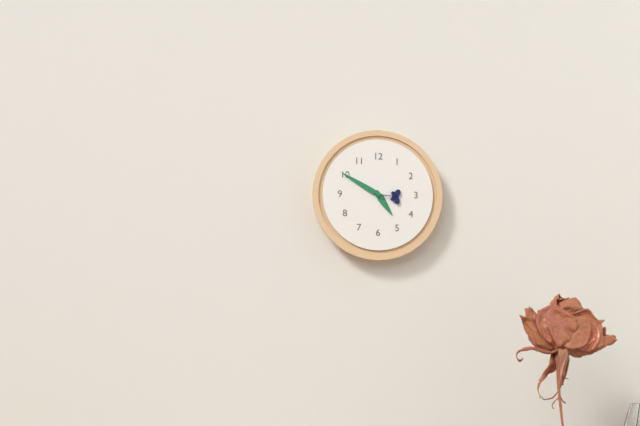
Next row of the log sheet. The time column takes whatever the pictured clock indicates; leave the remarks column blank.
4:50
